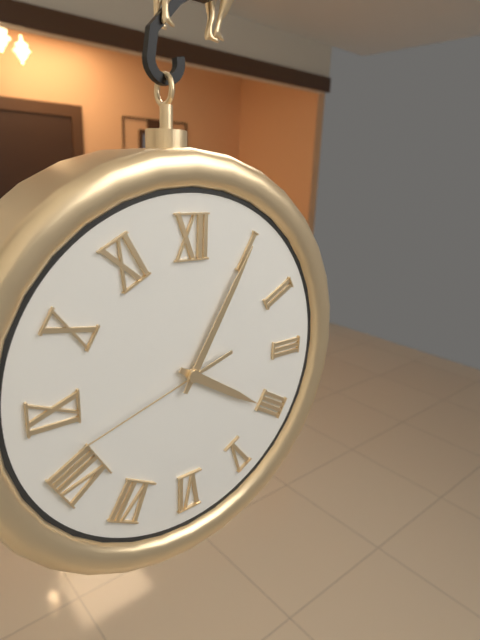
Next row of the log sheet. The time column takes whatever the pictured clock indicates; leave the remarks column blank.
4:05:42
